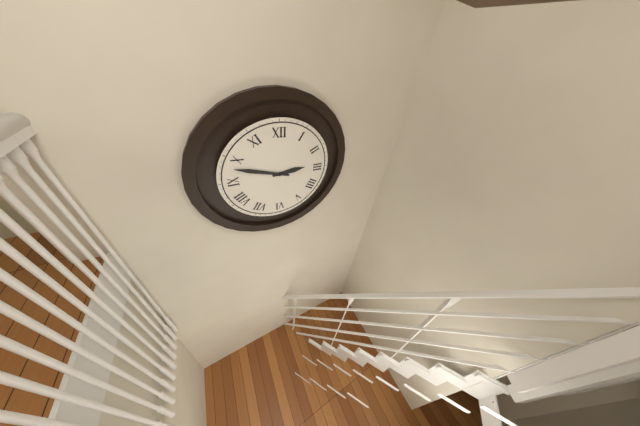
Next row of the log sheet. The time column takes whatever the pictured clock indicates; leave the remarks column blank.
2:48
